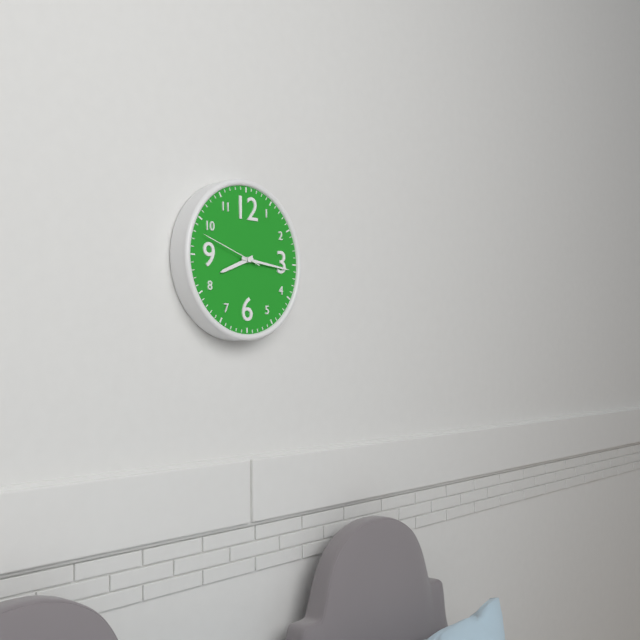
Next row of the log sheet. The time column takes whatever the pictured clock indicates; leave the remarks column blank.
8:16
